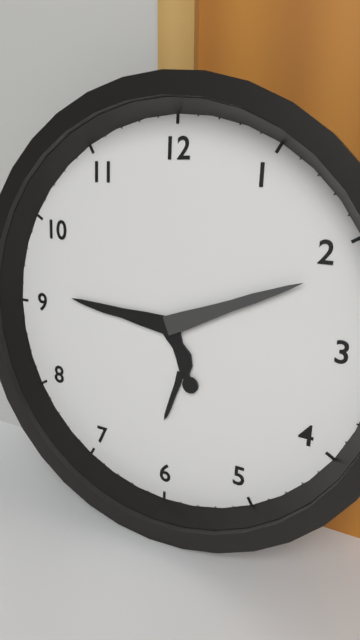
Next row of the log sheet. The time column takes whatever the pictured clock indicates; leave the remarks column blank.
9:11
